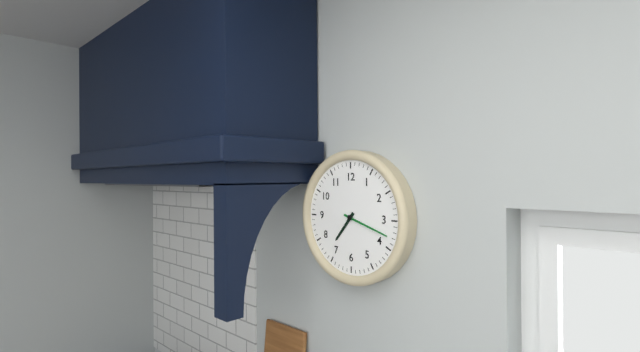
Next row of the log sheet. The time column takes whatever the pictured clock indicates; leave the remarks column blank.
7:18
